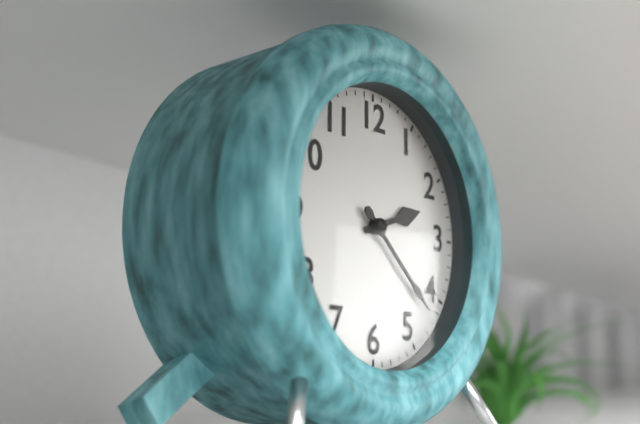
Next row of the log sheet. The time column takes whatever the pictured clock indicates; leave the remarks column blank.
2:22
